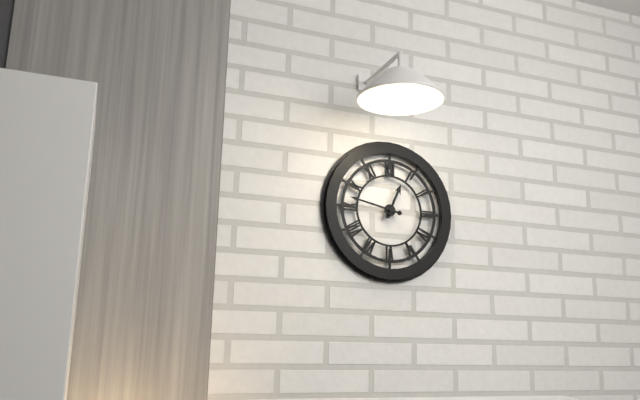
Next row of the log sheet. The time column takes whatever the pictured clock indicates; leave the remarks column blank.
12:47
